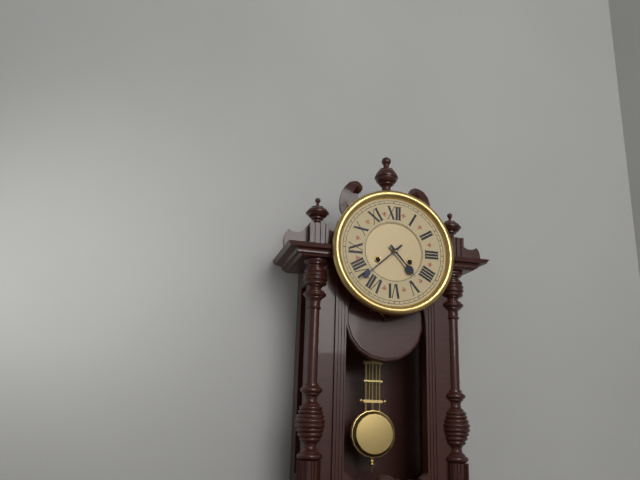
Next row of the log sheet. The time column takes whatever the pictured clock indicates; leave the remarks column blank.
4:38
